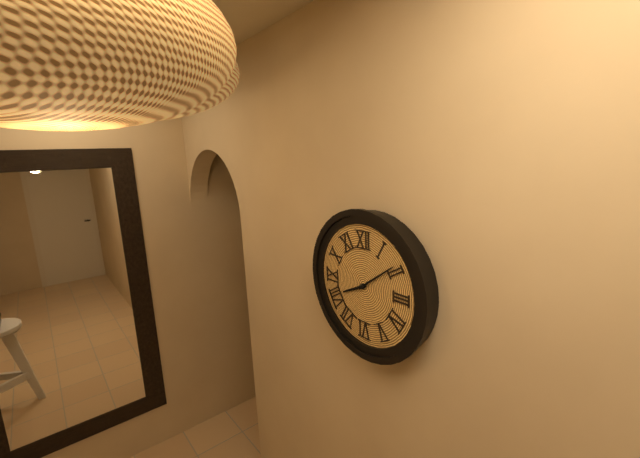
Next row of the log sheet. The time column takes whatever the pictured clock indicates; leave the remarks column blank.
8:09
